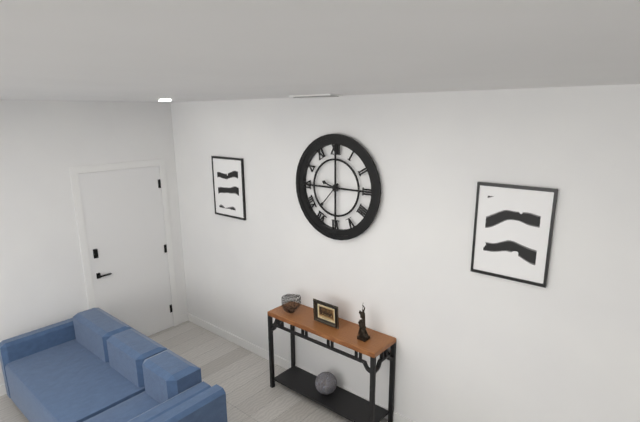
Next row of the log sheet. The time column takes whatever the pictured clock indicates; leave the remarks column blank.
9:37
